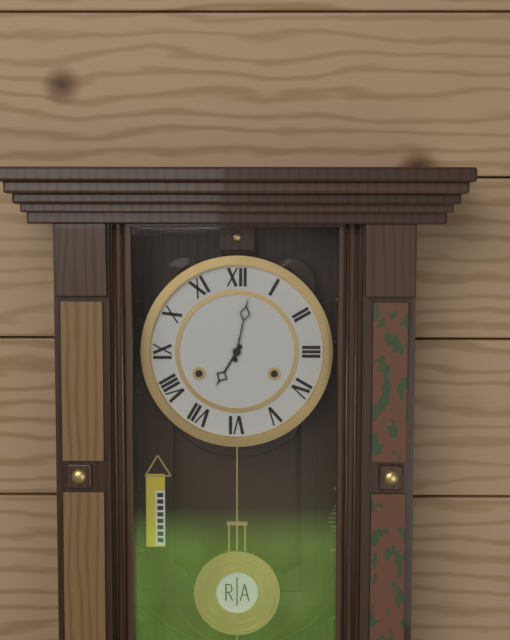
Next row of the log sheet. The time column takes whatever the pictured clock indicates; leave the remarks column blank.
7:02
